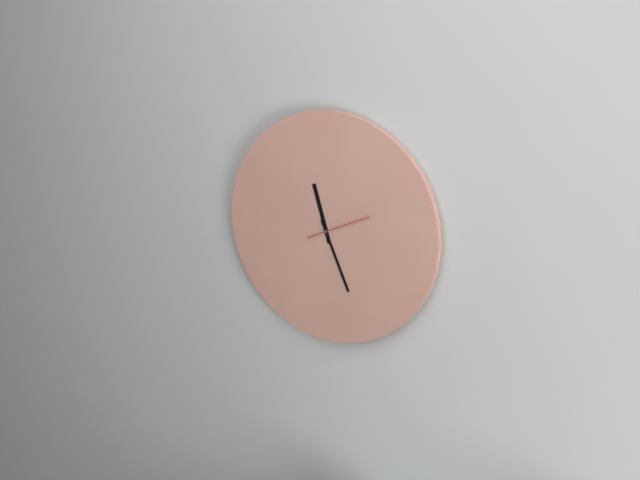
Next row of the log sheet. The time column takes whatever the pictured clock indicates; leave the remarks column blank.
11:26:11
